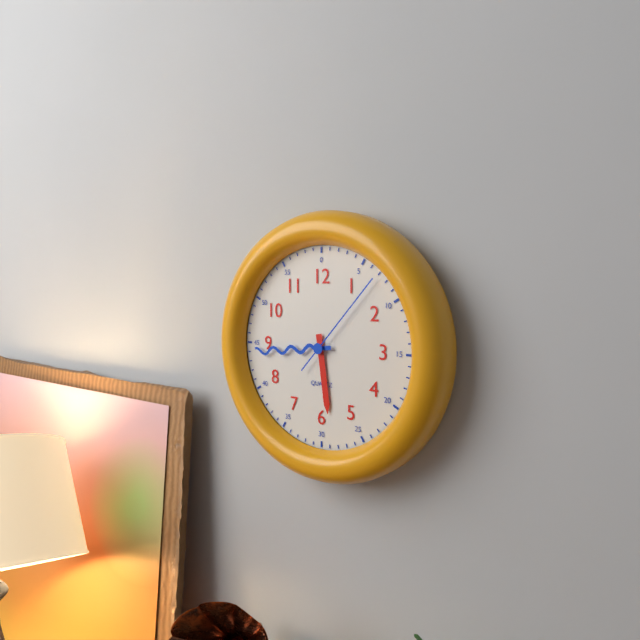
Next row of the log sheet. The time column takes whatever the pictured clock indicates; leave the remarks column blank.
5:44:07
